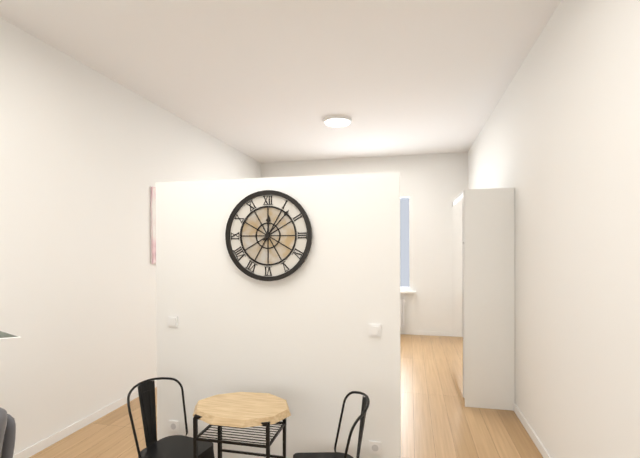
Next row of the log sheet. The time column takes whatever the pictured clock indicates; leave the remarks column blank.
12:07
